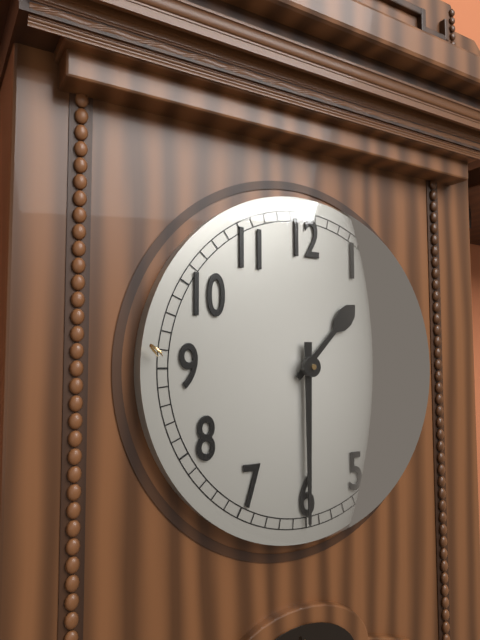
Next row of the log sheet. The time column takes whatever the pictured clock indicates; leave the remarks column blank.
1:30
